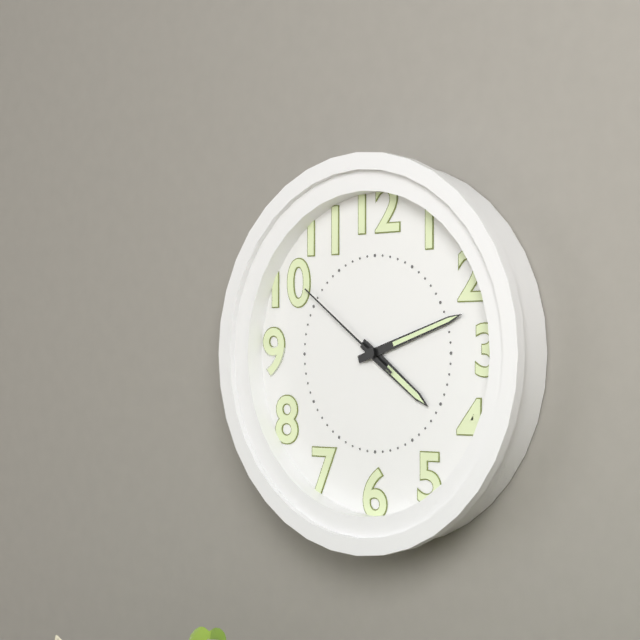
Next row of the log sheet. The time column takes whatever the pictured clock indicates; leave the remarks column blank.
4:12:51
